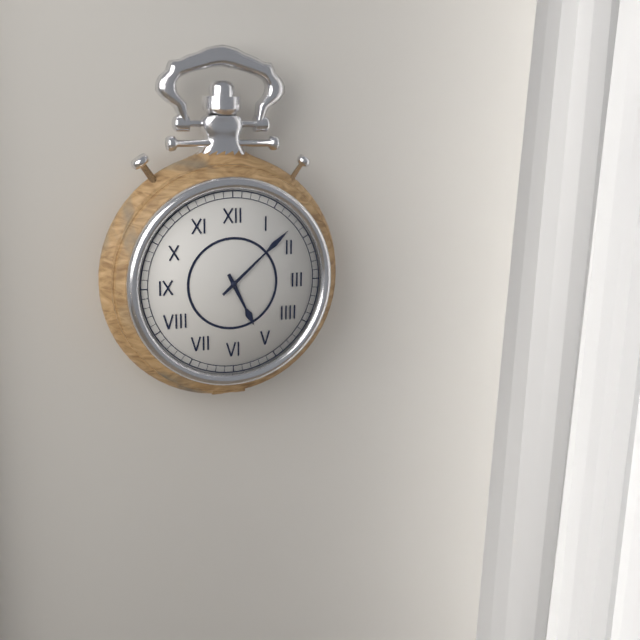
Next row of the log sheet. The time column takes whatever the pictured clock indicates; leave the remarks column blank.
5:08
